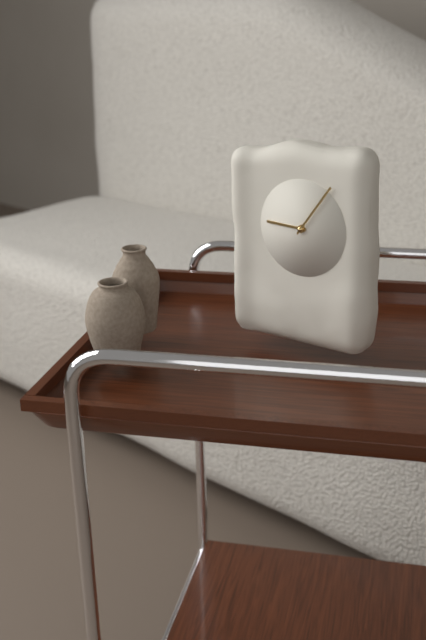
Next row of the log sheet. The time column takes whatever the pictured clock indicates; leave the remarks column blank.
9:06
